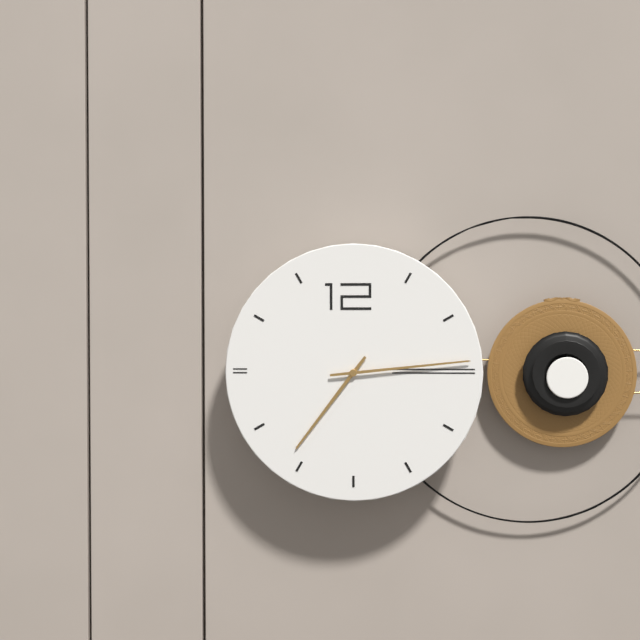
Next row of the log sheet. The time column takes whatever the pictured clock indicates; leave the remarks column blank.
7:14
